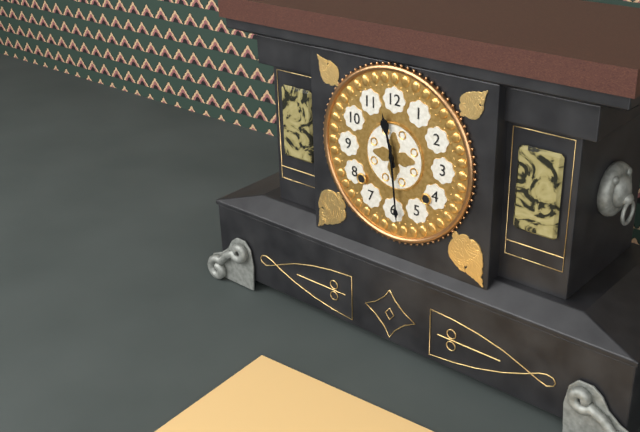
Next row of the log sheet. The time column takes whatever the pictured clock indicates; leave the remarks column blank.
11:29
